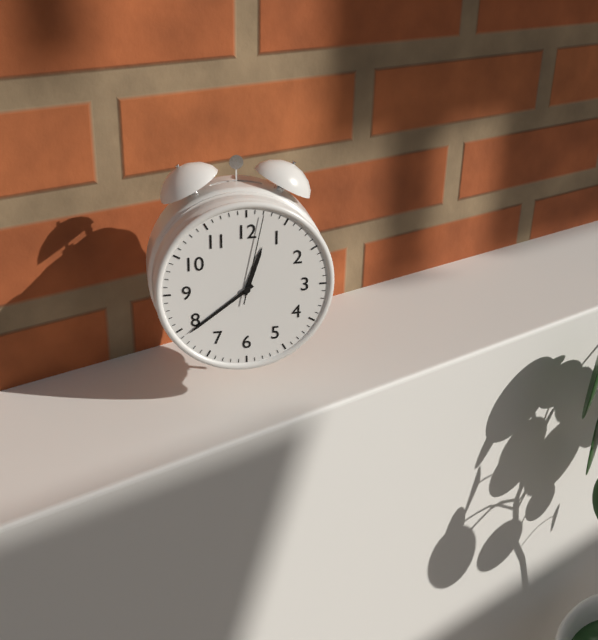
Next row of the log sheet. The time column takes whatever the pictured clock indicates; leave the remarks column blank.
12:39:02
